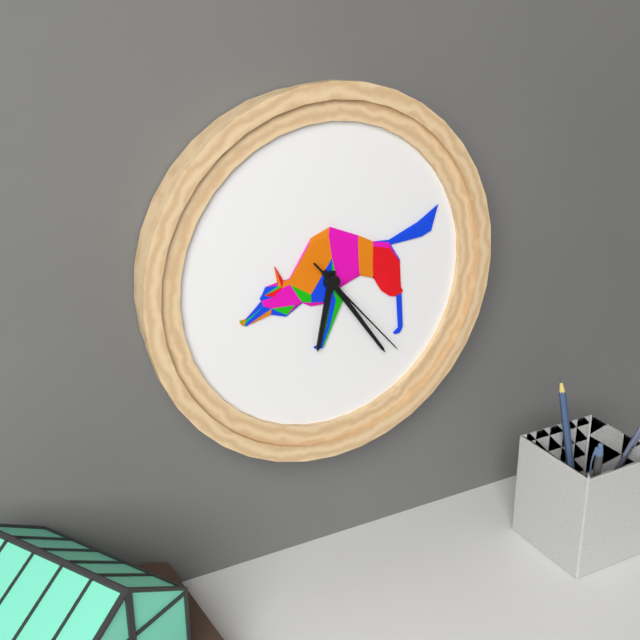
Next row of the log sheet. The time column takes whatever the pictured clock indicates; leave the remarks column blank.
6:24:23
